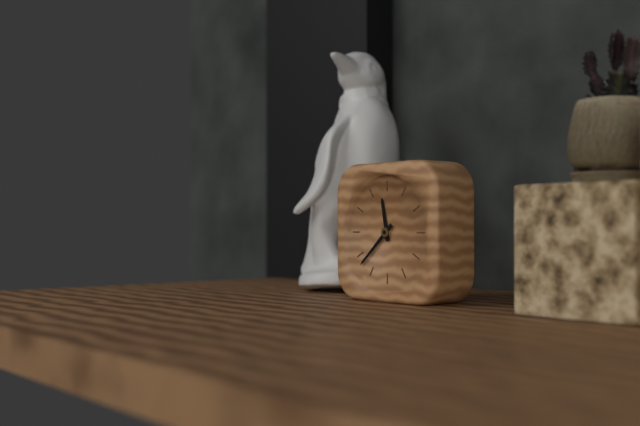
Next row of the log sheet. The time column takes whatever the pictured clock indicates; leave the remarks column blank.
11:38
